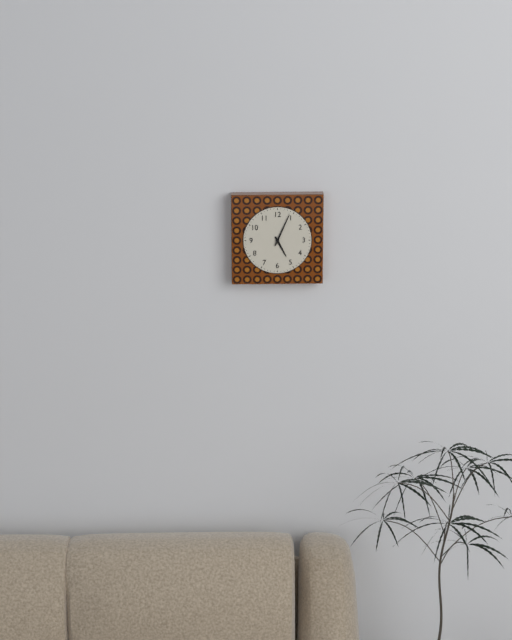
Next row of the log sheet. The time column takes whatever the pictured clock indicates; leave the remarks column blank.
5:04
